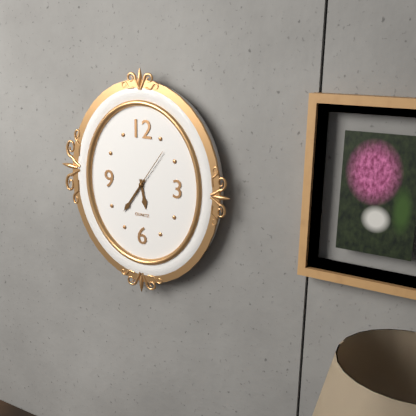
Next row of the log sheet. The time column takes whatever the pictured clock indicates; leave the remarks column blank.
5:36
